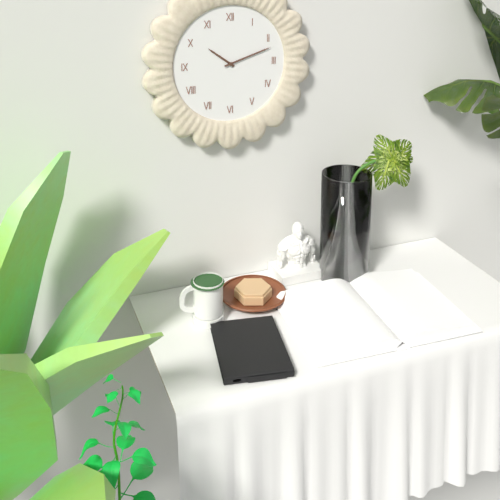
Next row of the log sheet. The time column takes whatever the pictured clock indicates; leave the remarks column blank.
10:12
